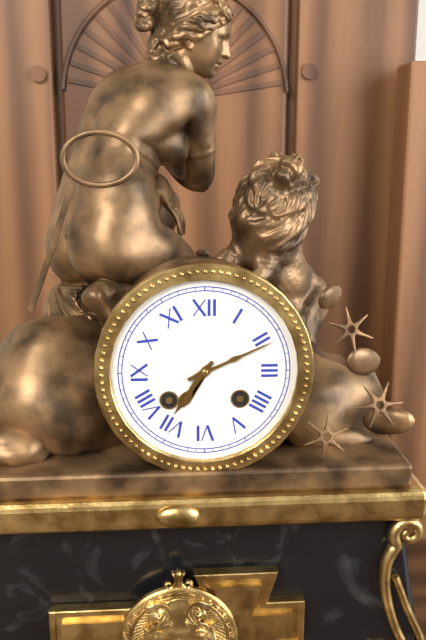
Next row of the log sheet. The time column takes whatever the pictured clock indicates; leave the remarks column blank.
7:11
